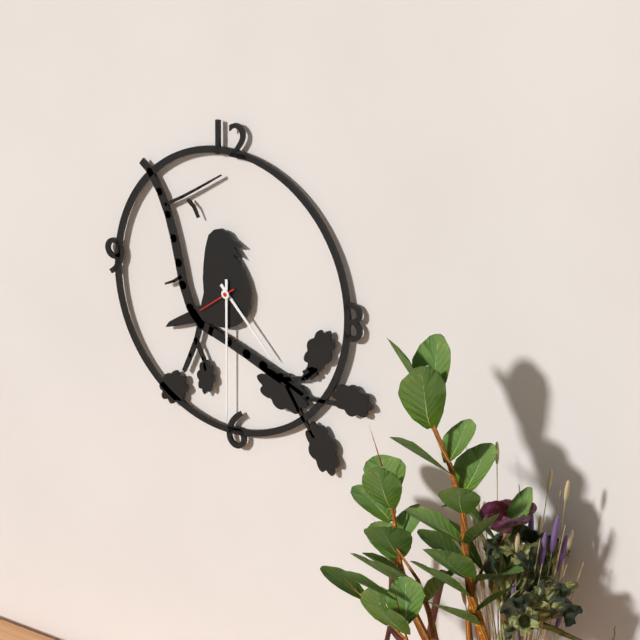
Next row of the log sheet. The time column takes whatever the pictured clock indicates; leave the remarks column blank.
4:30:39
